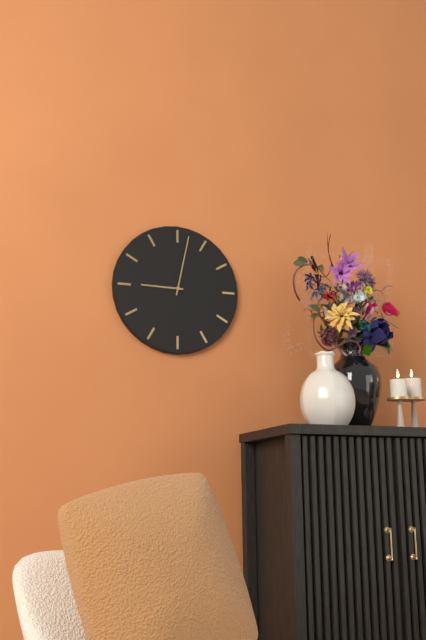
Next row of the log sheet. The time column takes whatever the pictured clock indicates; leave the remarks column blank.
9:02
